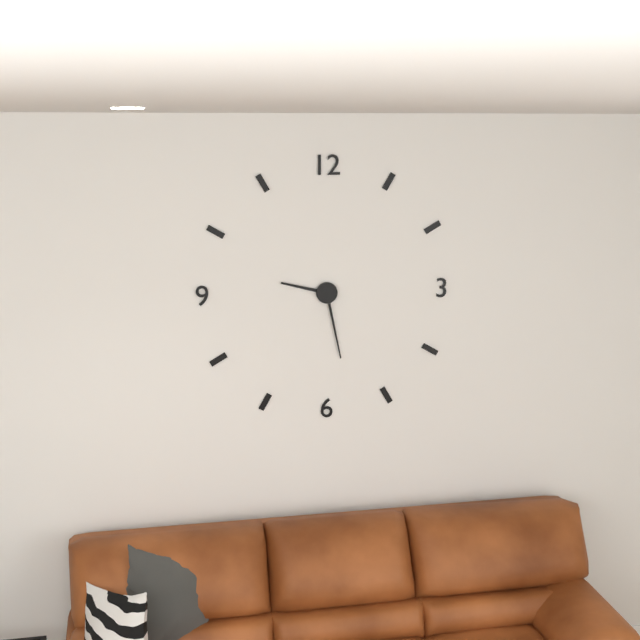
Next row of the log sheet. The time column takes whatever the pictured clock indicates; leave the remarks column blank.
9:28
